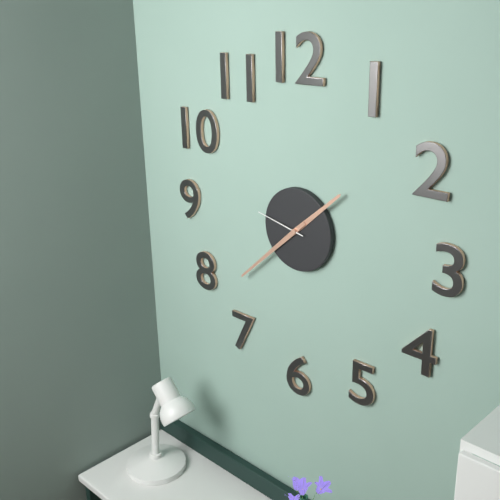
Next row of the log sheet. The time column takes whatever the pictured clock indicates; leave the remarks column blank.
1:38:47
